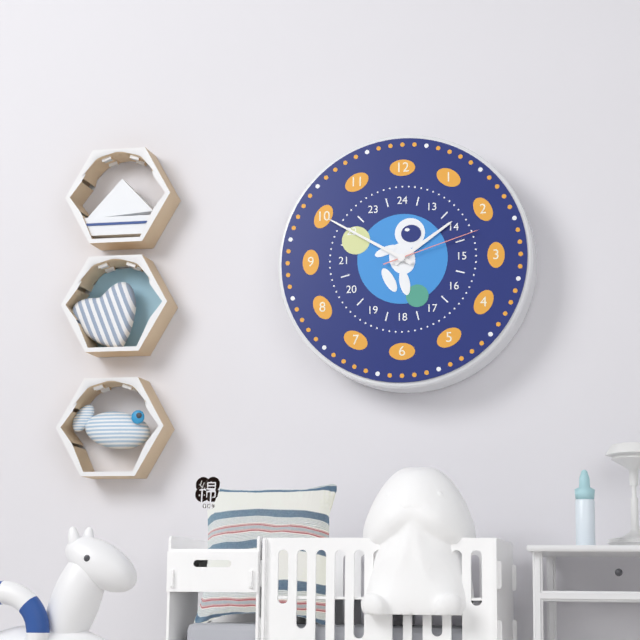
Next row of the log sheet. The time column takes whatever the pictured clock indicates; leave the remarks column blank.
1:50:12
